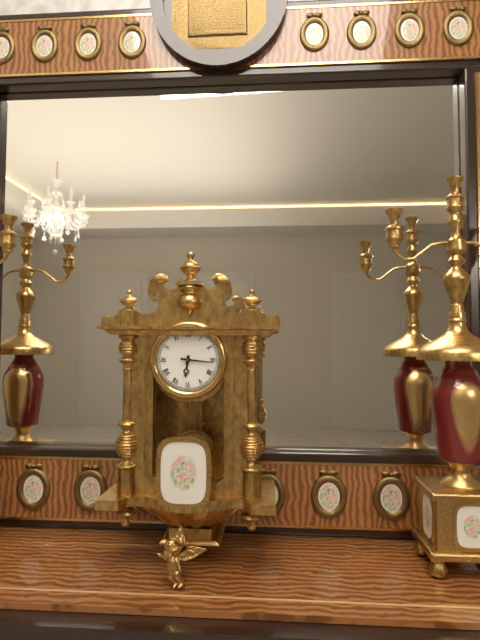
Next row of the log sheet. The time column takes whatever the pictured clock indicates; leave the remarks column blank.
6:16
